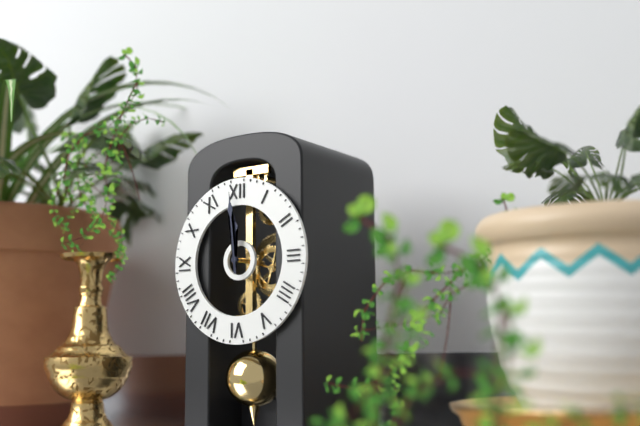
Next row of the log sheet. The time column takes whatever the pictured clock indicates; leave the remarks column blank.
11:59
